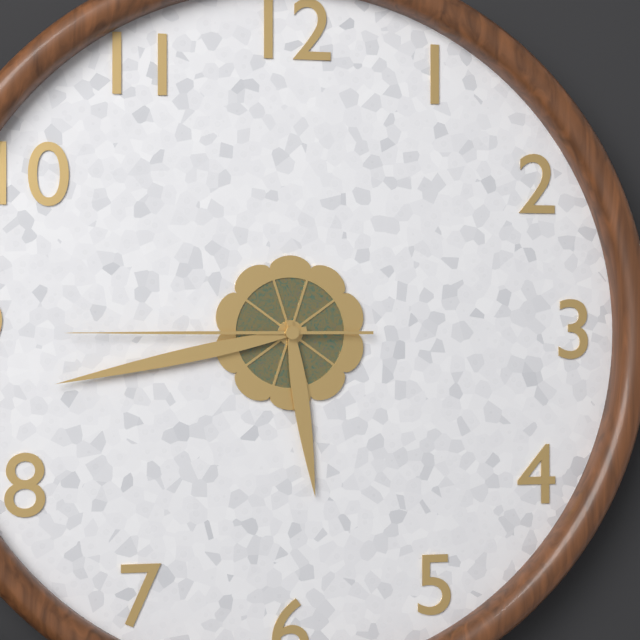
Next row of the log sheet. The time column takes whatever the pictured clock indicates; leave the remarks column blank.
5:43:45
